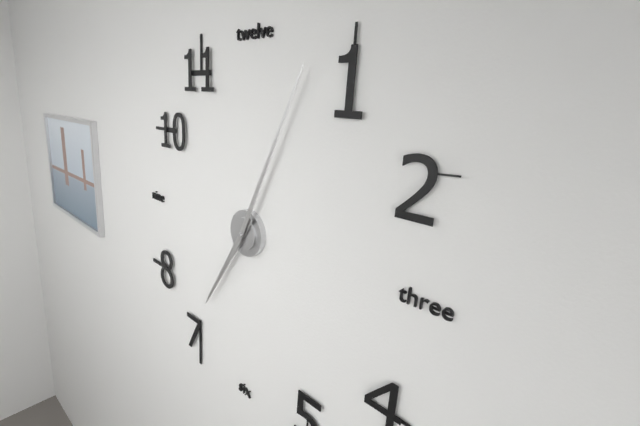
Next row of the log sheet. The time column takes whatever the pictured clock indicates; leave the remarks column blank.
7:04
